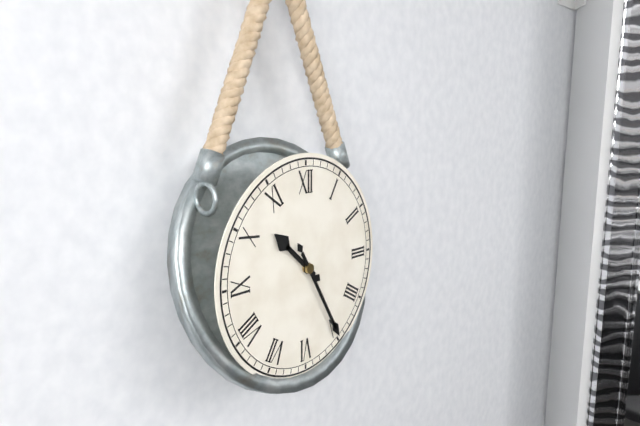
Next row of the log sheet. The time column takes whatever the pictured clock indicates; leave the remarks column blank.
10:25
